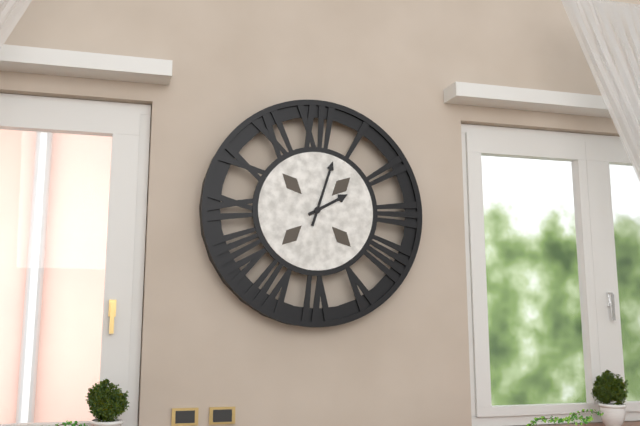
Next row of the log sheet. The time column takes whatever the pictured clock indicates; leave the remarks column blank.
2:03
